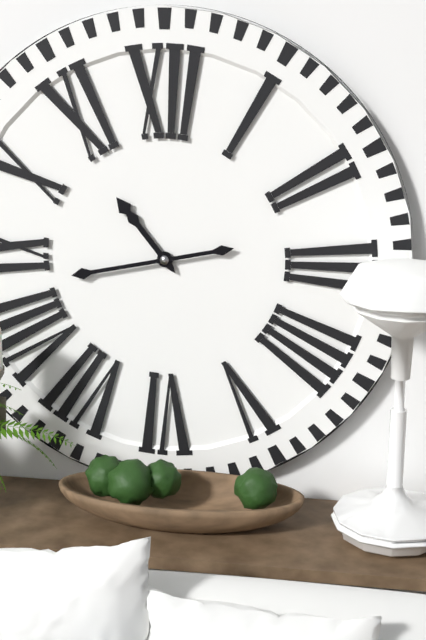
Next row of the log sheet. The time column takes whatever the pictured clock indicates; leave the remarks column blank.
10:43
